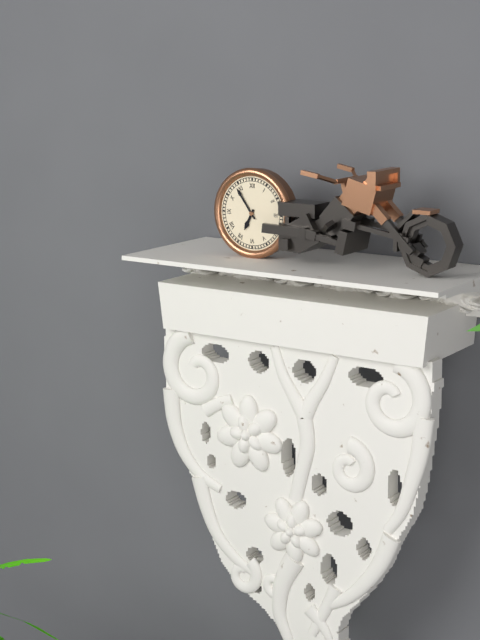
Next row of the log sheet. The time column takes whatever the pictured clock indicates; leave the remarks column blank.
6:54
